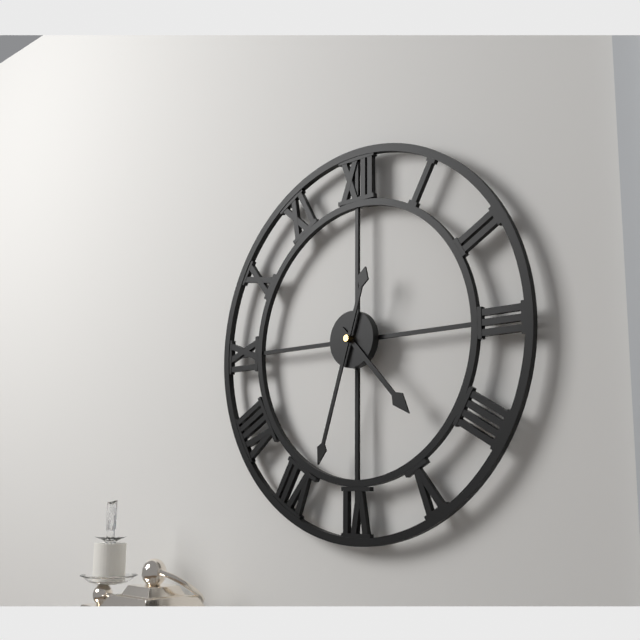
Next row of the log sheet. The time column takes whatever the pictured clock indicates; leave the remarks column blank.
4:33
